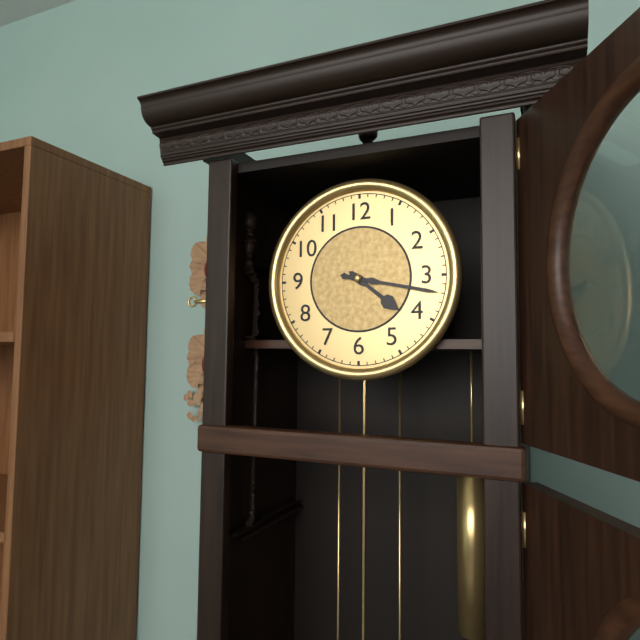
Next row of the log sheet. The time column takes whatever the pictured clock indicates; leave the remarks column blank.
4:17
